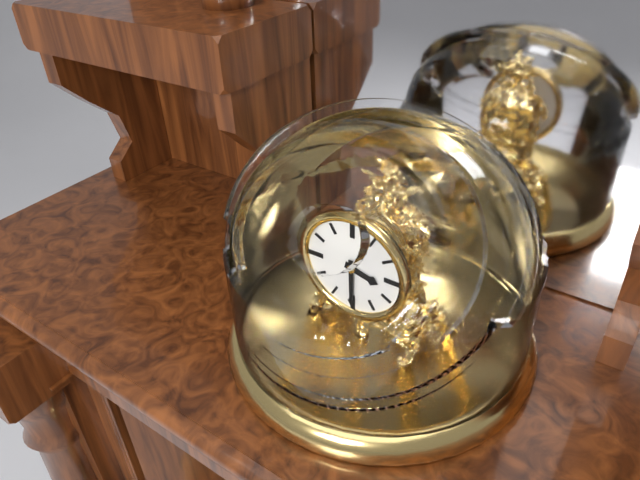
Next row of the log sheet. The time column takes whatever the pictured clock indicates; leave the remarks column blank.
3:30
